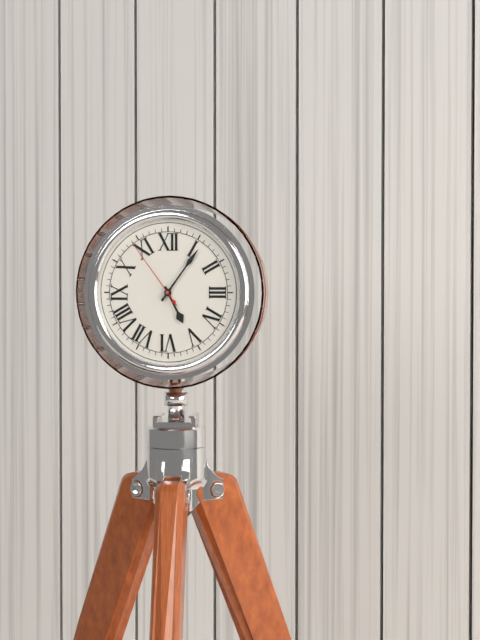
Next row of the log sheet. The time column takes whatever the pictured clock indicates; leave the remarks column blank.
5:06:54
